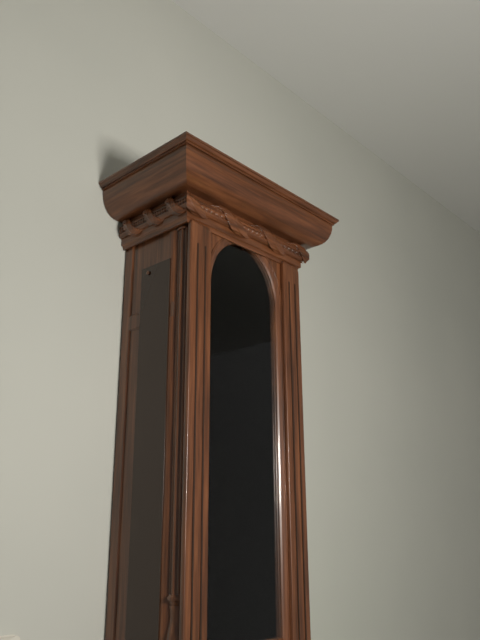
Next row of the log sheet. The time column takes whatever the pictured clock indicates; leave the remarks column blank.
2:20
